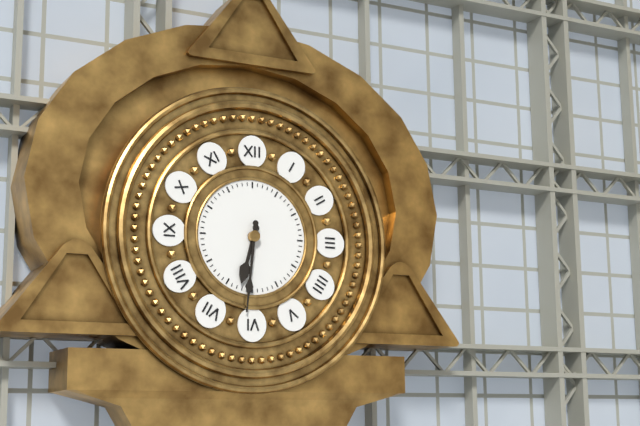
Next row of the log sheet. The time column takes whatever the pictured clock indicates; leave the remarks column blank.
6:31
